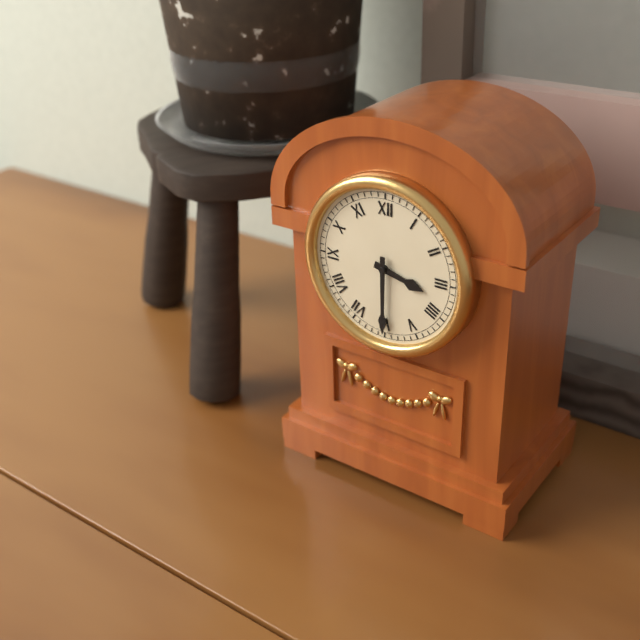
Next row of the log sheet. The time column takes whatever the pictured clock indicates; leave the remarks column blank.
3:30
